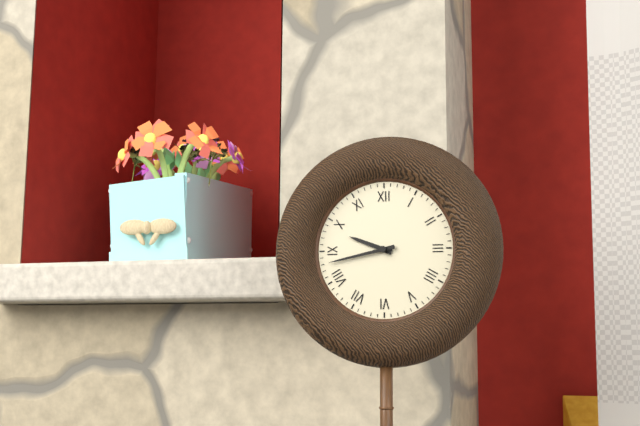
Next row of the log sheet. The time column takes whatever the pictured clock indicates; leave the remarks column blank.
9:43
